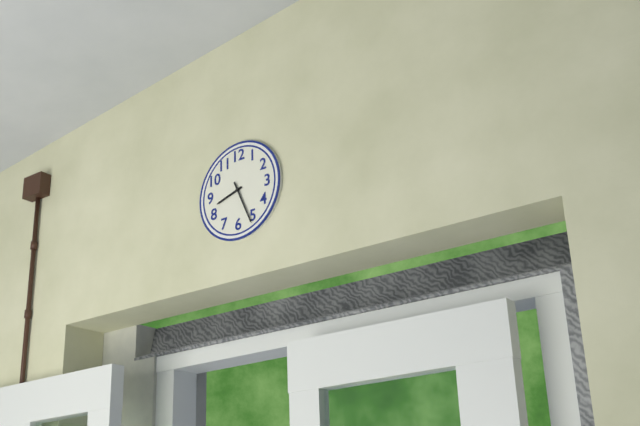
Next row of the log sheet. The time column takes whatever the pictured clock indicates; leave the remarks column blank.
8:26
